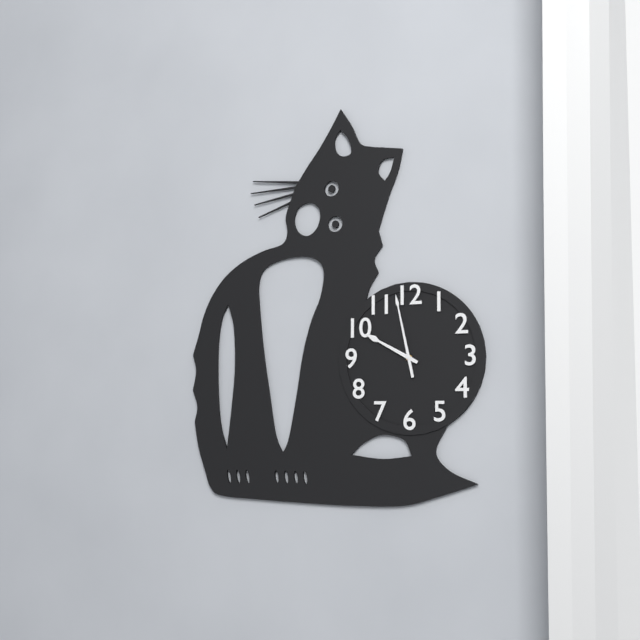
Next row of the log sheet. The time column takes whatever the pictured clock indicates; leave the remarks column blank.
9:58
